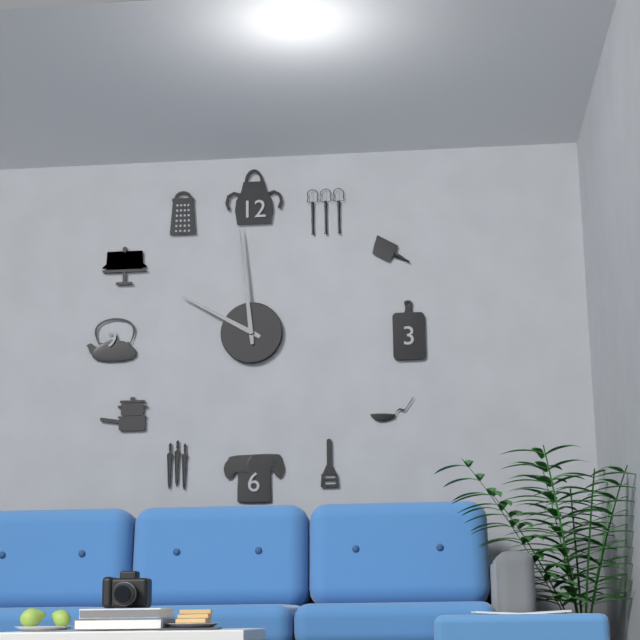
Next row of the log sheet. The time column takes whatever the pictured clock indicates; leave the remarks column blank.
9:59
